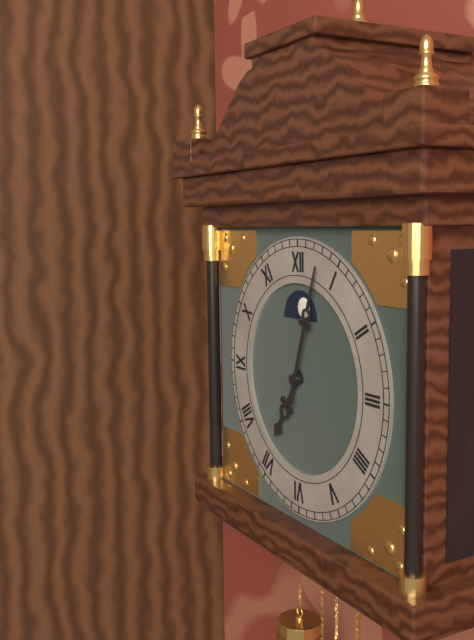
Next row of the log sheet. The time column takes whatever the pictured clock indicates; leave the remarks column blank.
7:03
